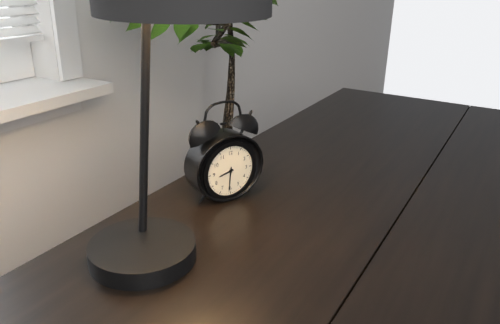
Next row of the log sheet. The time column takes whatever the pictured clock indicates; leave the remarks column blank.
8:31
